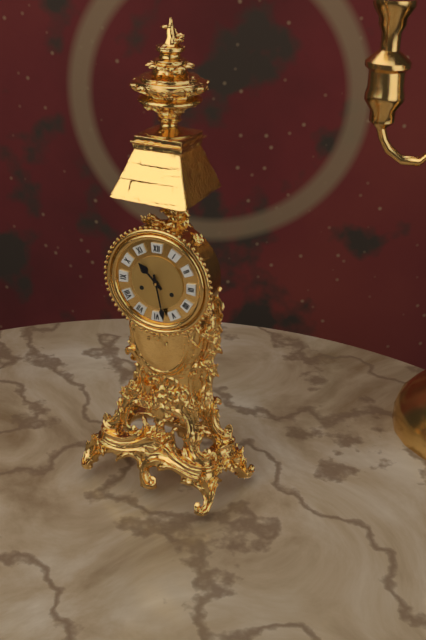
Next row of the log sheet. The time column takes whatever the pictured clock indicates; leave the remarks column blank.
10:28
